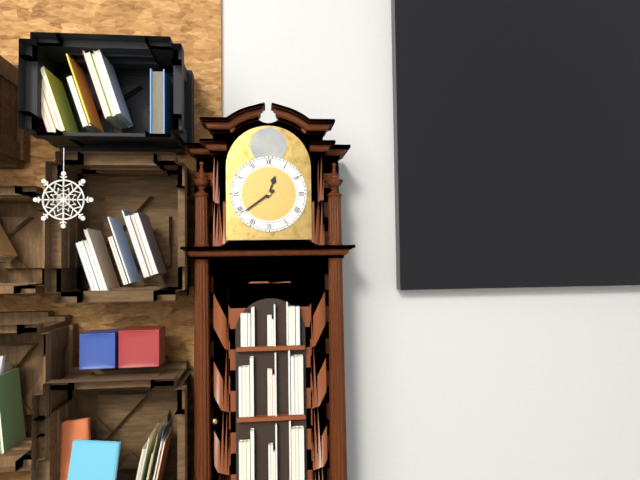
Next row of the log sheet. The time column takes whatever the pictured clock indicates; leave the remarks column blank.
12:39
